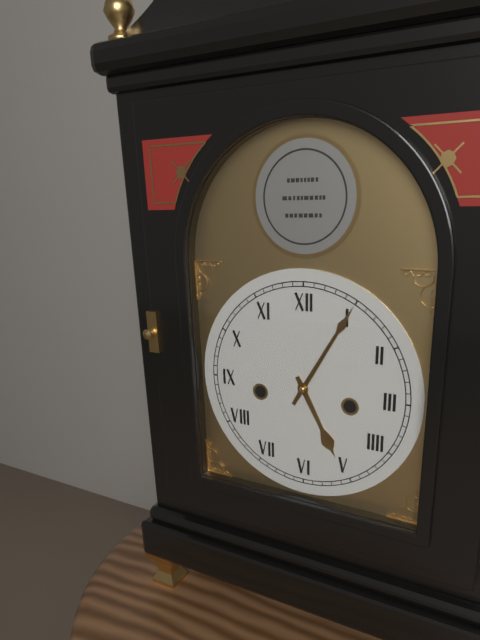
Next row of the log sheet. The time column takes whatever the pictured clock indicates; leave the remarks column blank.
5:05
